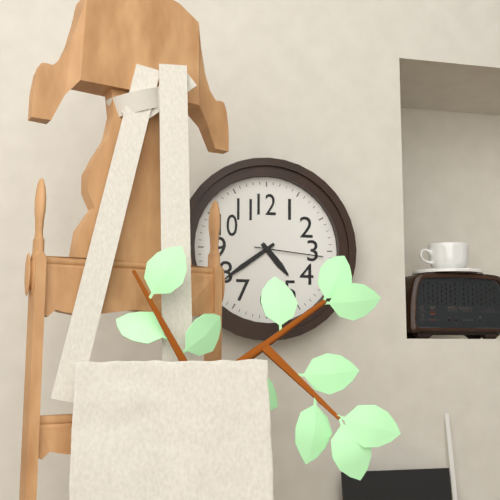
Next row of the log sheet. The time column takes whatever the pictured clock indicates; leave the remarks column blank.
4:39:16
